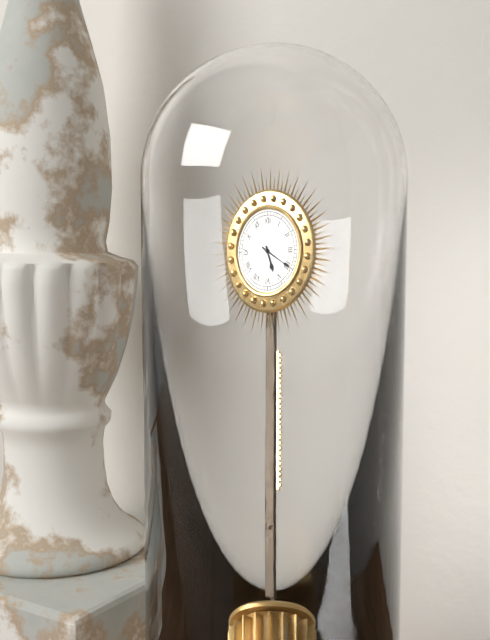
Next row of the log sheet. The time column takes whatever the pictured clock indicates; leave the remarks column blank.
5:20
